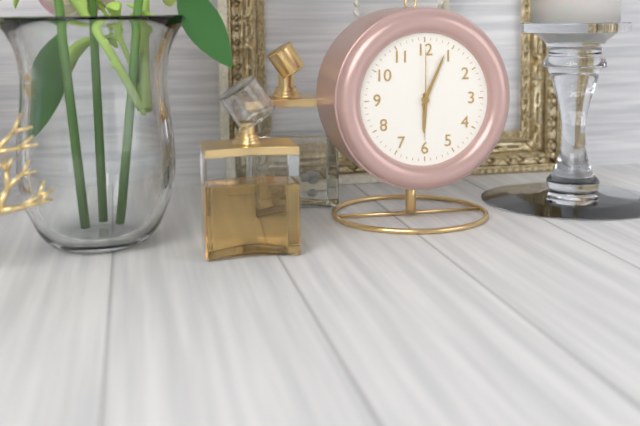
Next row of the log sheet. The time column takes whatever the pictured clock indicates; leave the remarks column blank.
6:04:00
